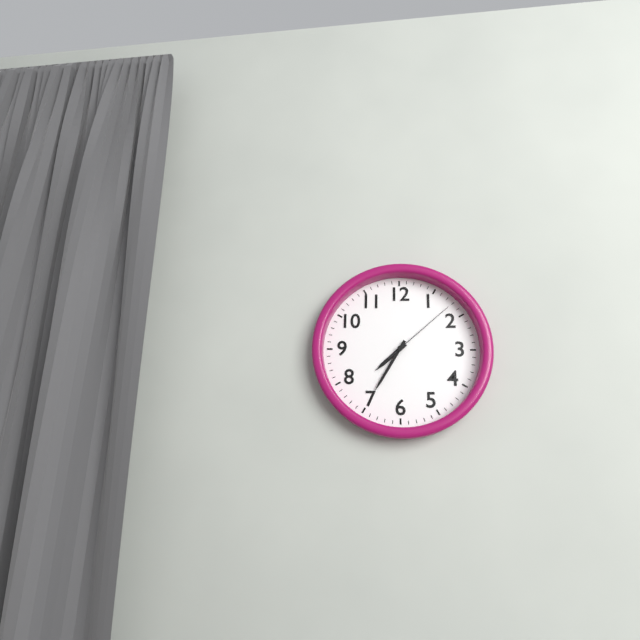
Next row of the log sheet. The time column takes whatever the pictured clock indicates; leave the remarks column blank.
7:35:08
